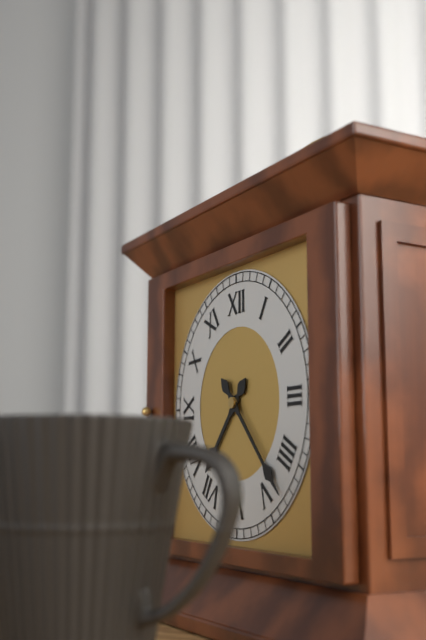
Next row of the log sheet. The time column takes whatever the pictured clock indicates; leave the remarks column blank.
7:23
